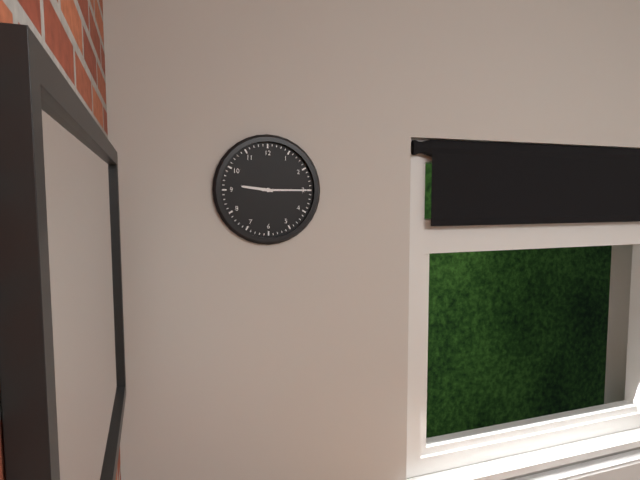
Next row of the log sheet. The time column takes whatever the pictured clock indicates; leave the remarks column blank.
9:15
